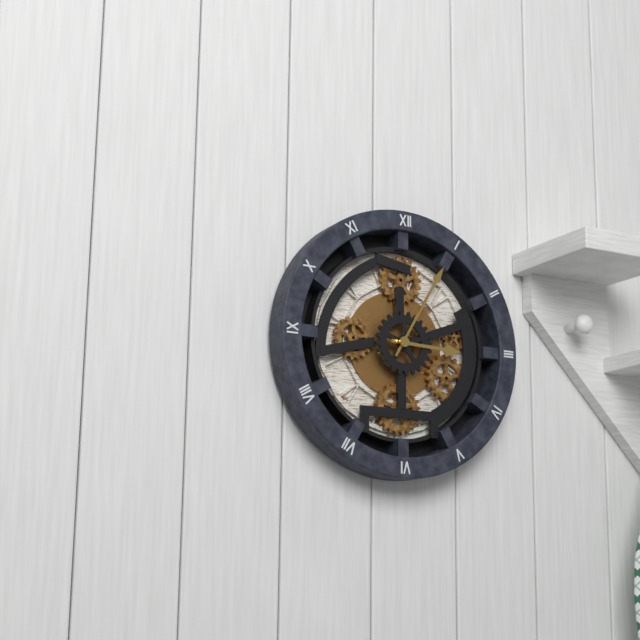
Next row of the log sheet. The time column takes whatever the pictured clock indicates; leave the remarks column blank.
3:05
